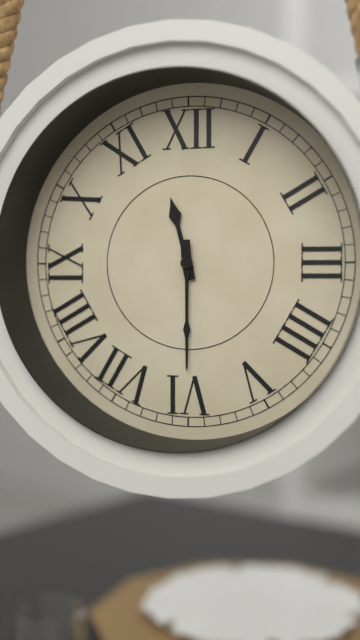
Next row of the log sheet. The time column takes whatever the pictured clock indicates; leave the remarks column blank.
11:30
